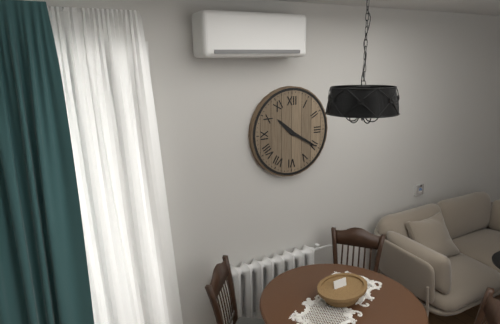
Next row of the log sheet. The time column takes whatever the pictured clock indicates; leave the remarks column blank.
10:20
